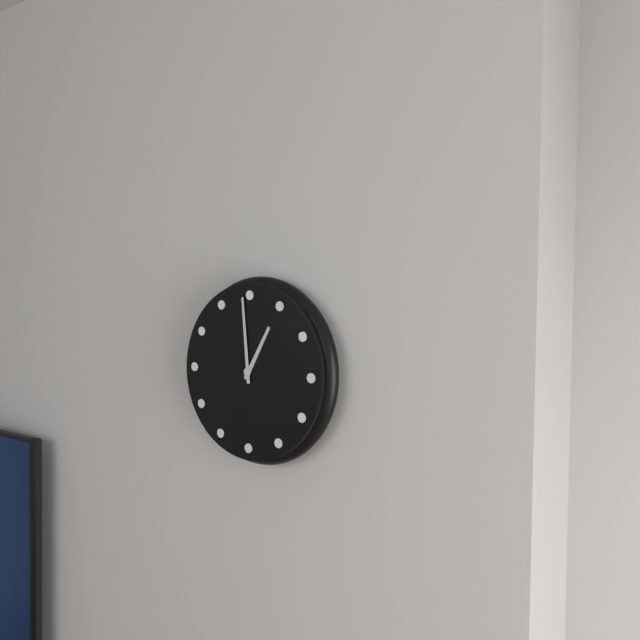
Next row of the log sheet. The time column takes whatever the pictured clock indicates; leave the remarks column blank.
12:59
